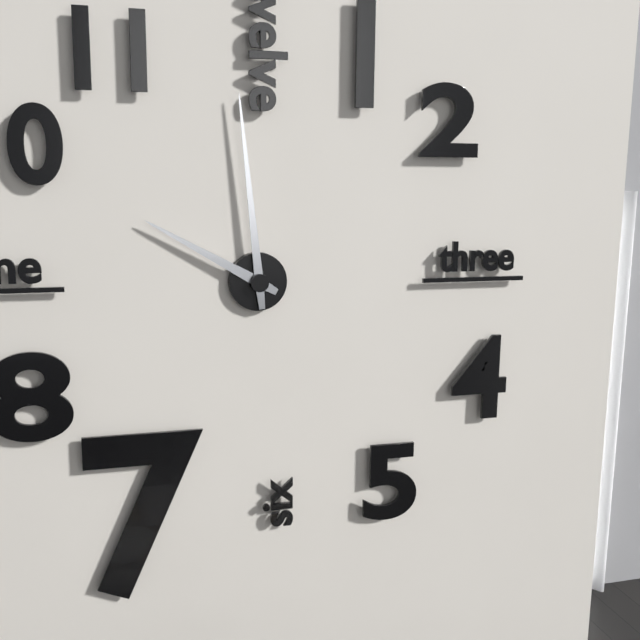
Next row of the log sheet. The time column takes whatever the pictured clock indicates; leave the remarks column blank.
9:59
